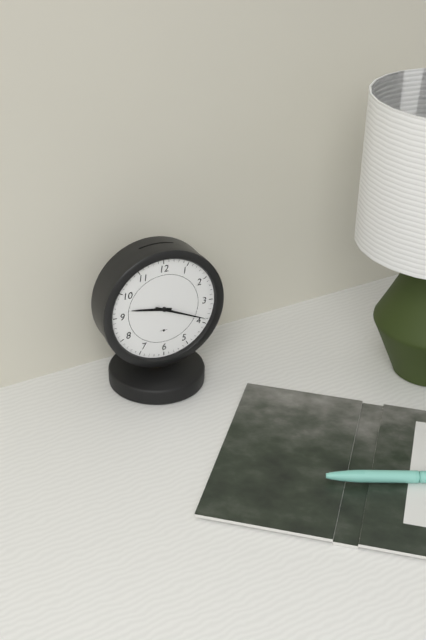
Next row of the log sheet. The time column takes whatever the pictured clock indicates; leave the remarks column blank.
9:19
